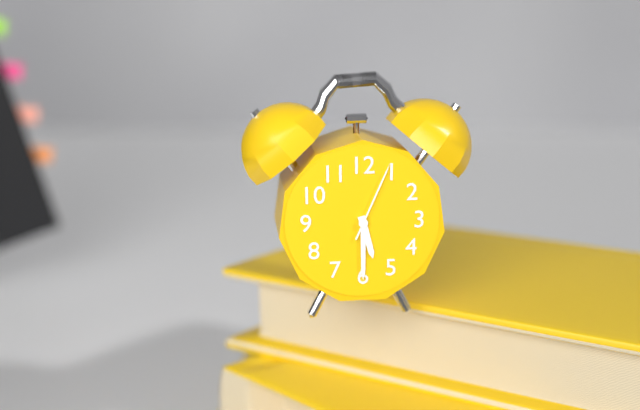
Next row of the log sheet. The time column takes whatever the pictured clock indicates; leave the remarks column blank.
5:30:04
